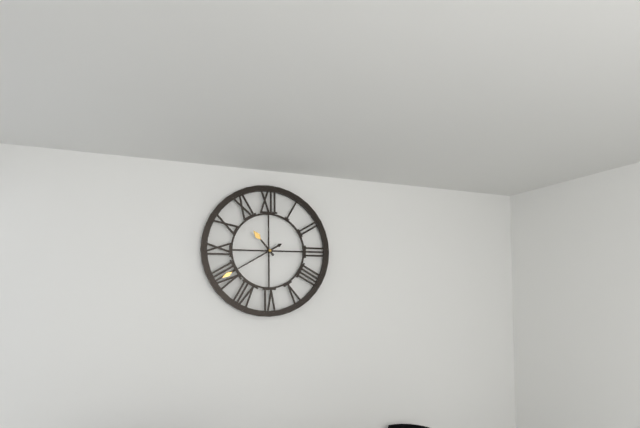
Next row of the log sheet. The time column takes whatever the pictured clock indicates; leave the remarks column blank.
10:40
